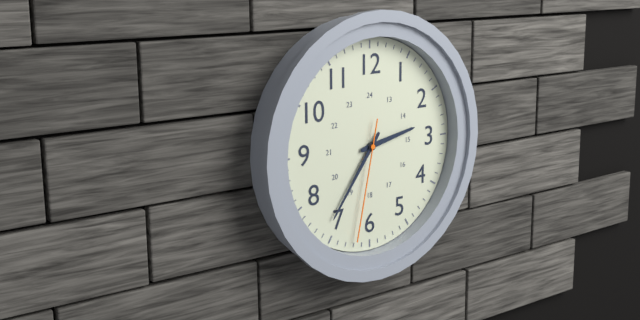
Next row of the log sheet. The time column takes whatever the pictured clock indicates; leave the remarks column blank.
2:36:32
